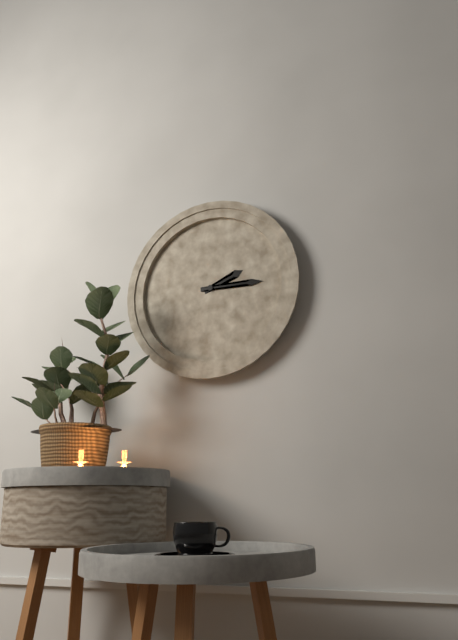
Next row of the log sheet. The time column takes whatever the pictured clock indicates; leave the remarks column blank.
2:15
